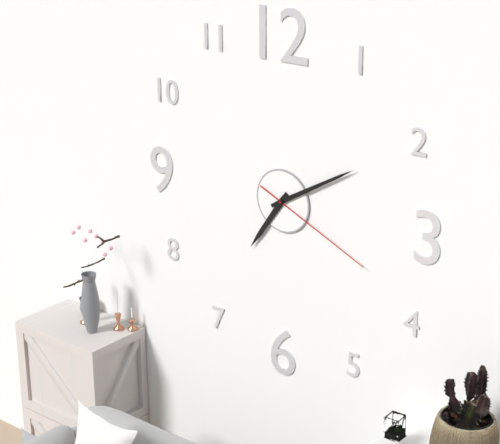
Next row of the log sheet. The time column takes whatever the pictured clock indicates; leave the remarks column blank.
7:10:19
